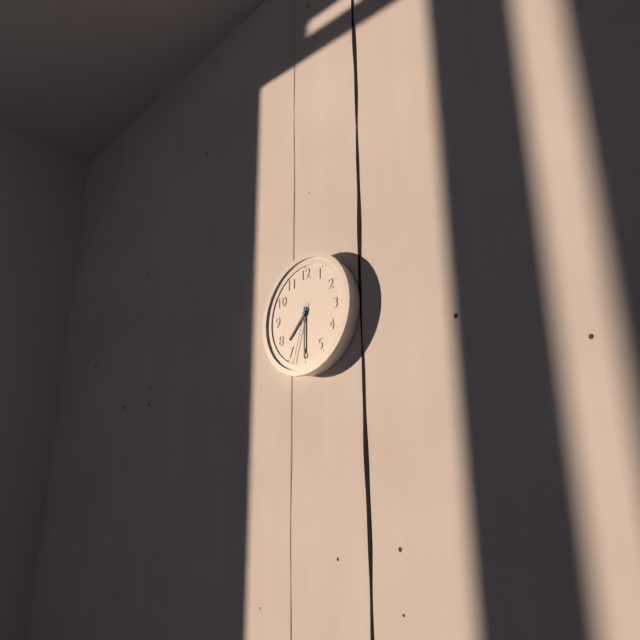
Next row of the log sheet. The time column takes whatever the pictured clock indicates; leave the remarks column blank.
7:30:33
